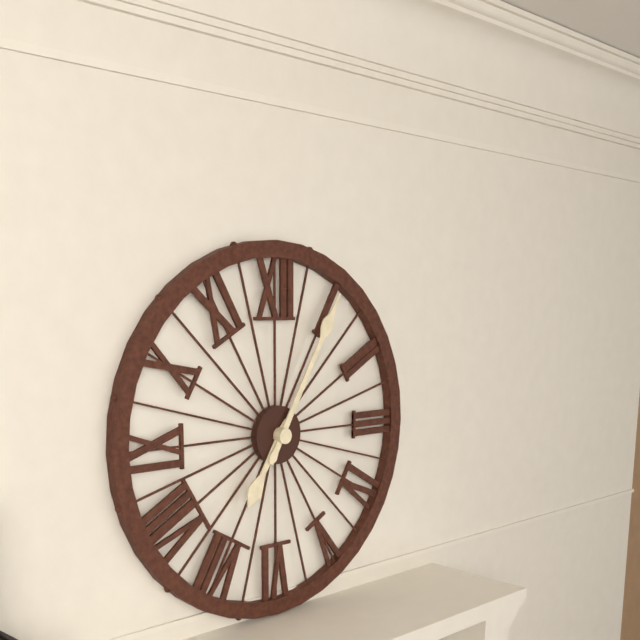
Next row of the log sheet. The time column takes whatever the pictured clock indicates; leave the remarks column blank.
7:05
